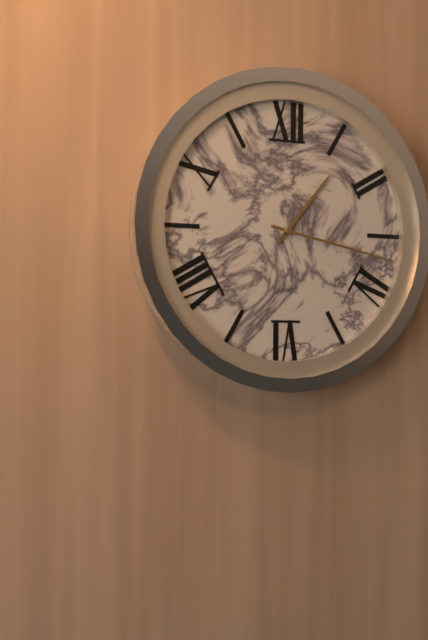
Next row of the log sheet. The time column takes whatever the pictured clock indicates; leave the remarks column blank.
1:17
